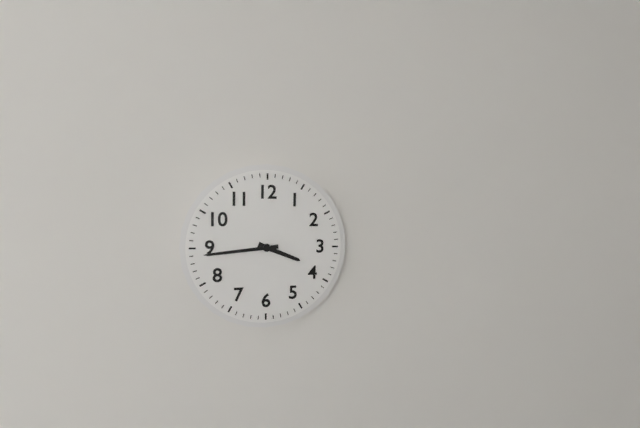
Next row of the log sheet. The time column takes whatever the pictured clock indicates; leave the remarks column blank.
3:44
